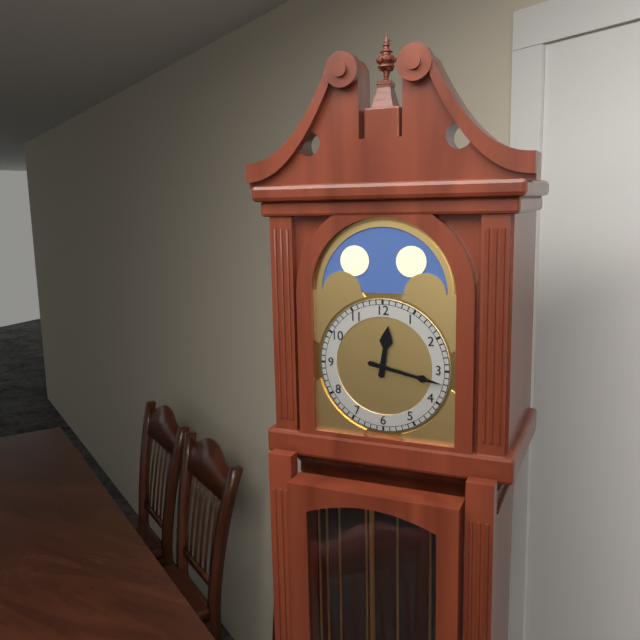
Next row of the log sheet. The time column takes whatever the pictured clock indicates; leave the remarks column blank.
12:17
